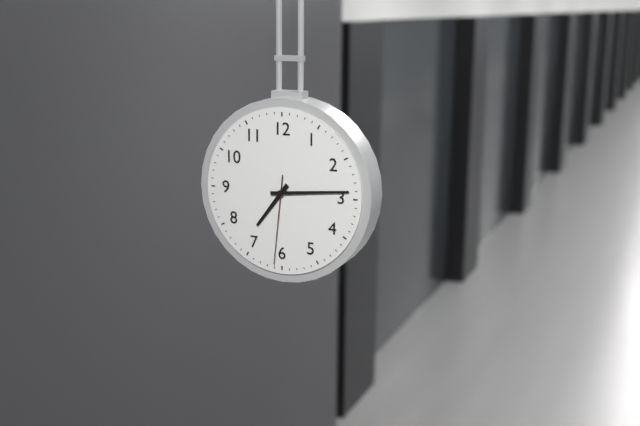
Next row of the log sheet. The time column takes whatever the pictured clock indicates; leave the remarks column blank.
7:14:31
